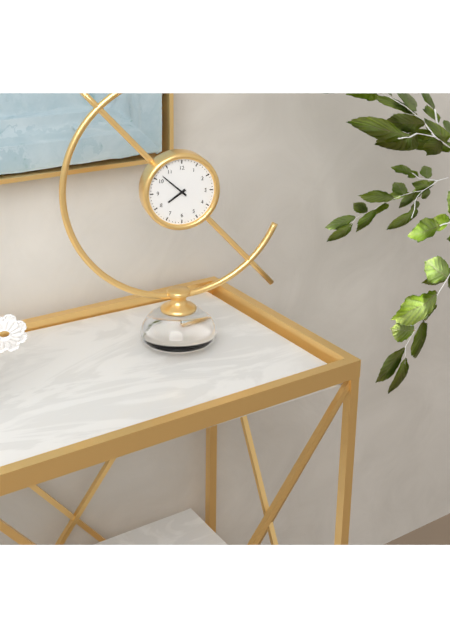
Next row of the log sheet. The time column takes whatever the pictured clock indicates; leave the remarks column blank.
7:52
